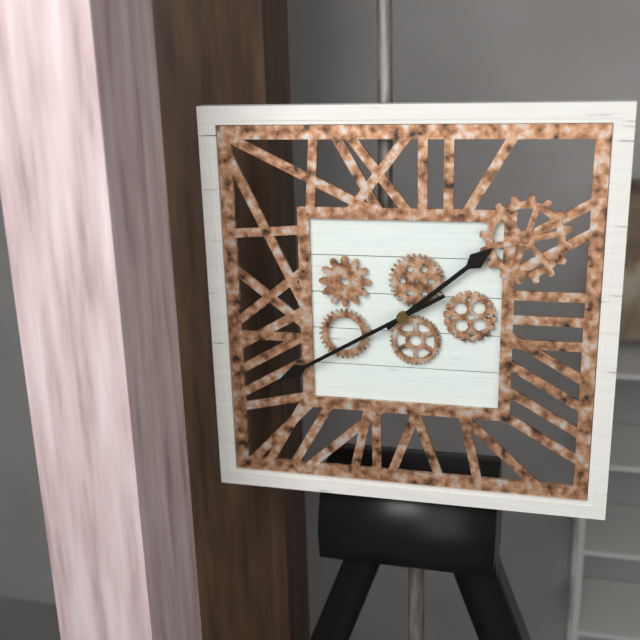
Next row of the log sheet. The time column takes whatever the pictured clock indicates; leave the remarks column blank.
1:40
